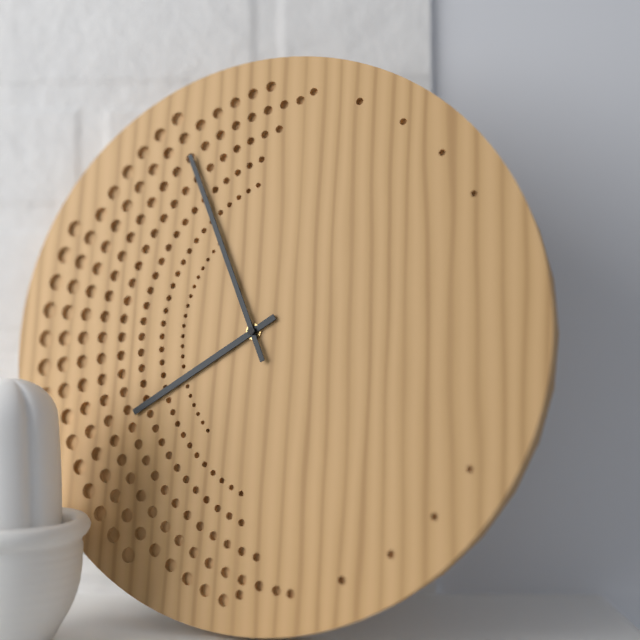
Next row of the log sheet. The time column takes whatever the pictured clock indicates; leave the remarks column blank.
7:56
